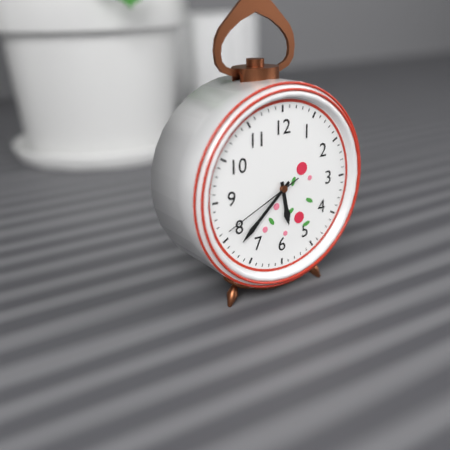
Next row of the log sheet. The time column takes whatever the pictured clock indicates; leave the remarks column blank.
5:38:41
